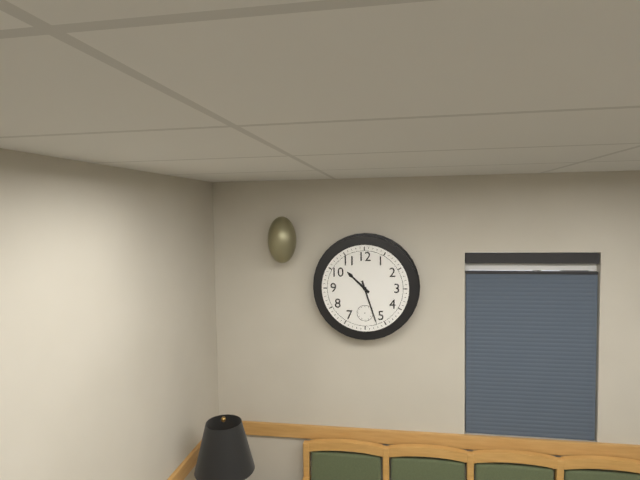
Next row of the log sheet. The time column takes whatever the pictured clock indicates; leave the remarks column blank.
10:27
